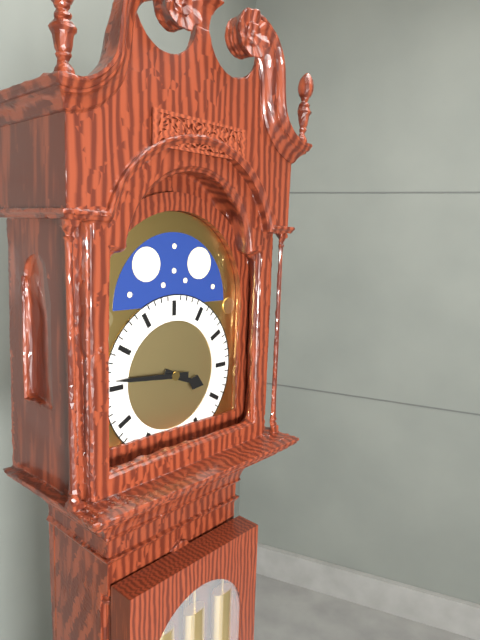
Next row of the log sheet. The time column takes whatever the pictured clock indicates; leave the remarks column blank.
3:46
